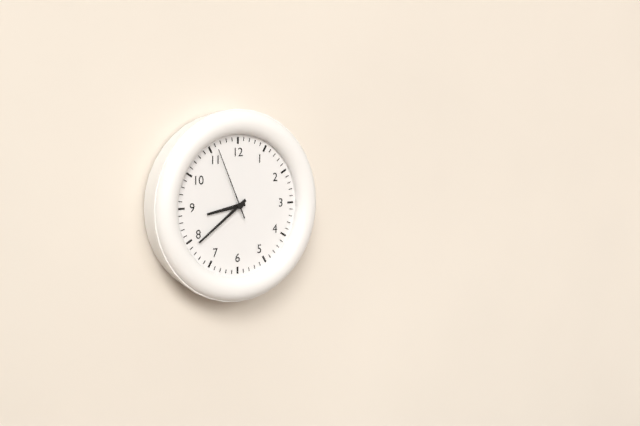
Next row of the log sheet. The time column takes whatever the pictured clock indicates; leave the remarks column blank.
8:39:56
